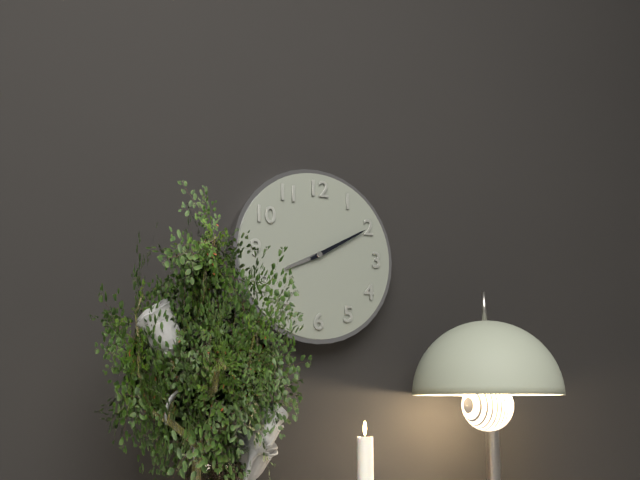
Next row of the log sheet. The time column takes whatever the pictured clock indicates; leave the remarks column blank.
8:10
